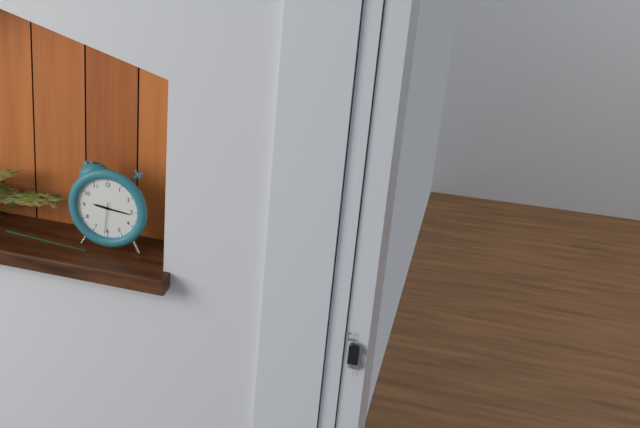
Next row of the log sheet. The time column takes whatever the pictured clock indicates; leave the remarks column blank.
9:16
